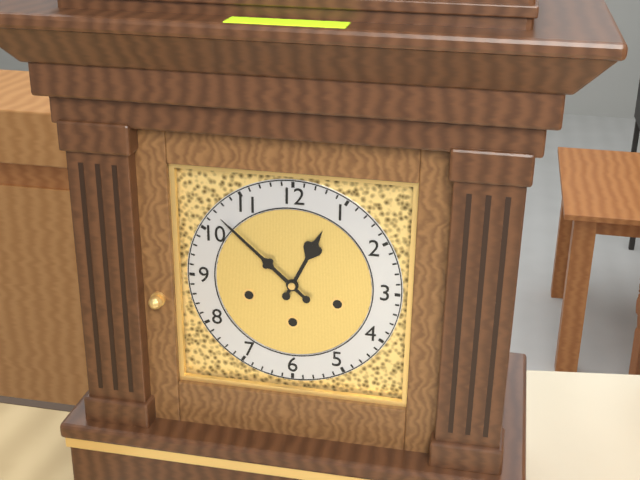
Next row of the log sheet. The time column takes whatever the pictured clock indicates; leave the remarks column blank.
12:52
